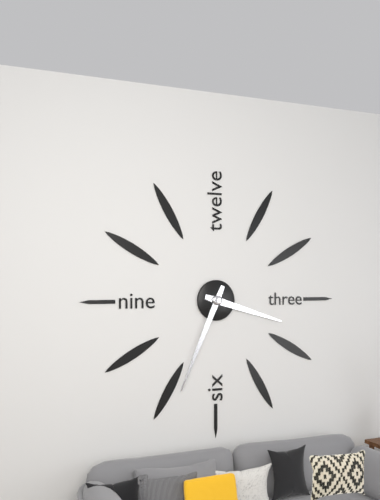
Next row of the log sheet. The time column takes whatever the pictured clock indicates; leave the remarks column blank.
3:34
